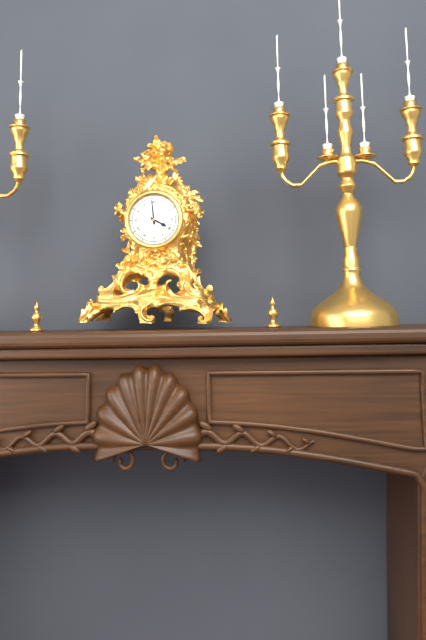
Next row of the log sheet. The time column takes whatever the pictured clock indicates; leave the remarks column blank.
3:59
